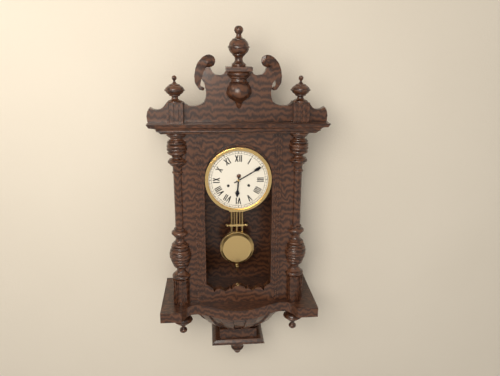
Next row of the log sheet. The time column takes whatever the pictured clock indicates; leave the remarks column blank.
6:10
